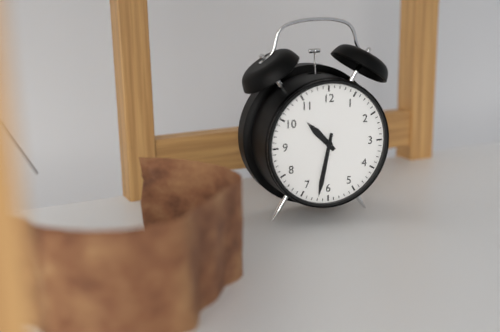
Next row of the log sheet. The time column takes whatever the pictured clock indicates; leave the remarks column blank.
10:32
